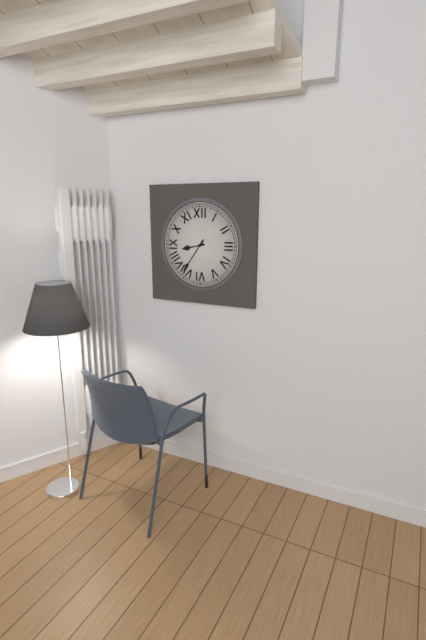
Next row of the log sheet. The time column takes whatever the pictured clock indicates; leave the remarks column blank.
8:36
